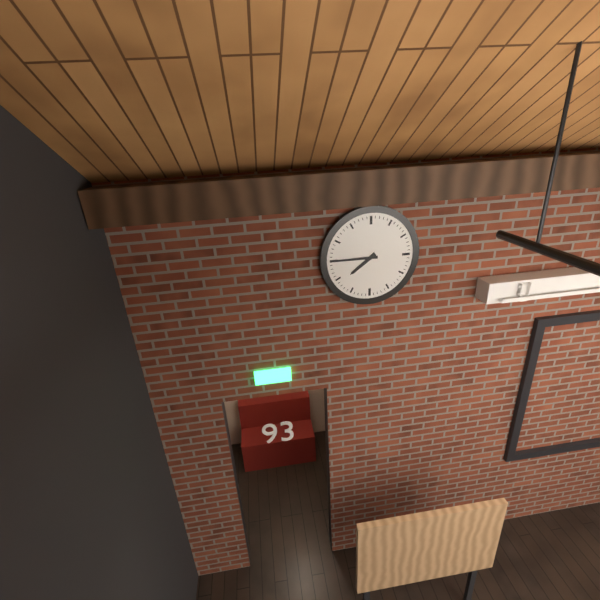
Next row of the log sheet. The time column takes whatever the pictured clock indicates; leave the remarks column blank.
7:45
